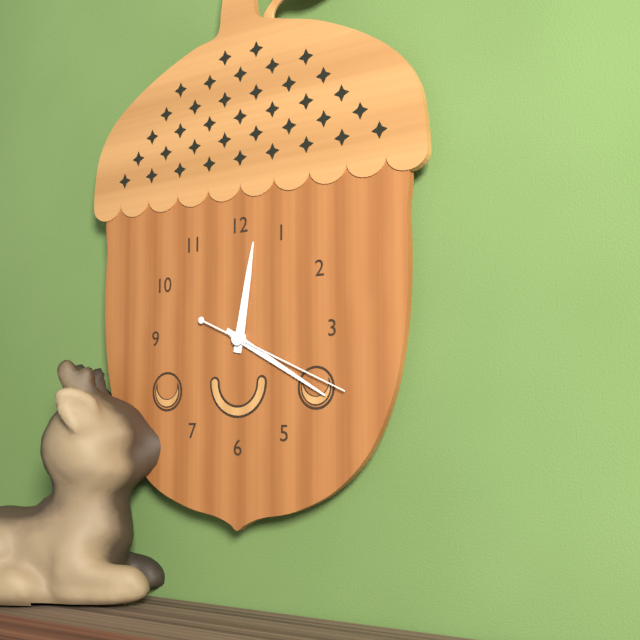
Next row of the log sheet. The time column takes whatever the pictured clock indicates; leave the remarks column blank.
12:20:19
